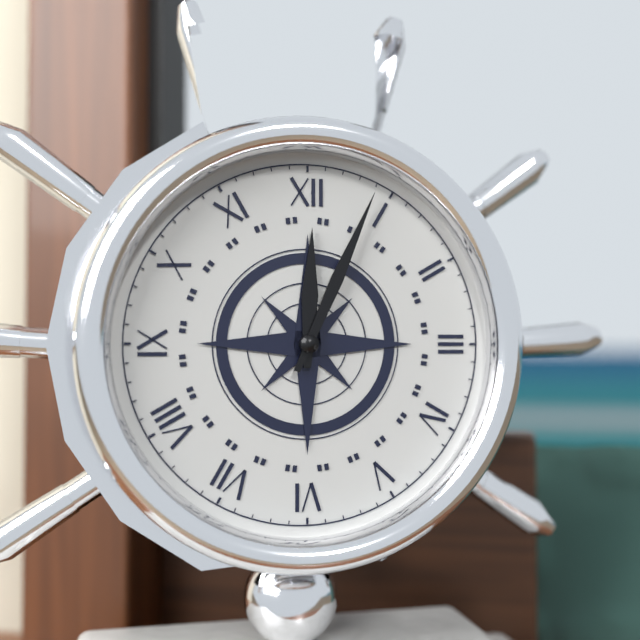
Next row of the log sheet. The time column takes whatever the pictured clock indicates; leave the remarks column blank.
12:04
